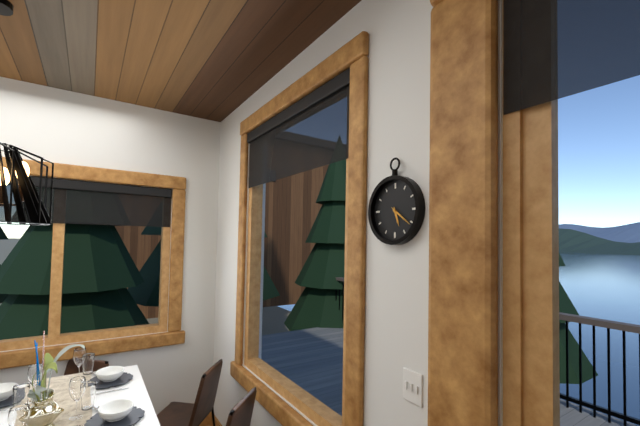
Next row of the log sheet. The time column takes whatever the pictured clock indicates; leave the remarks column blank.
5:21
